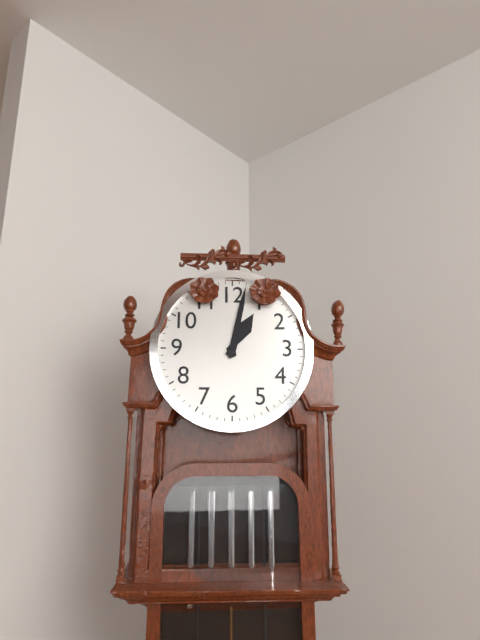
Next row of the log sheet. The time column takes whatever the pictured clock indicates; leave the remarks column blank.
1:02
